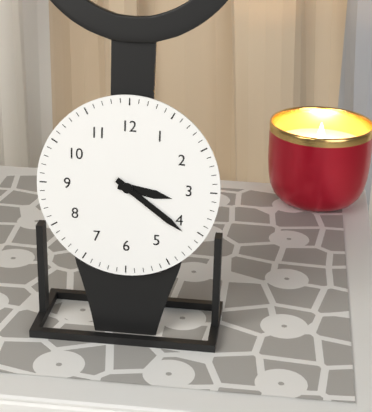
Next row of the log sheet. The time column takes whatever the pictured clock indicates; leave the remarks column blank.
3:21
